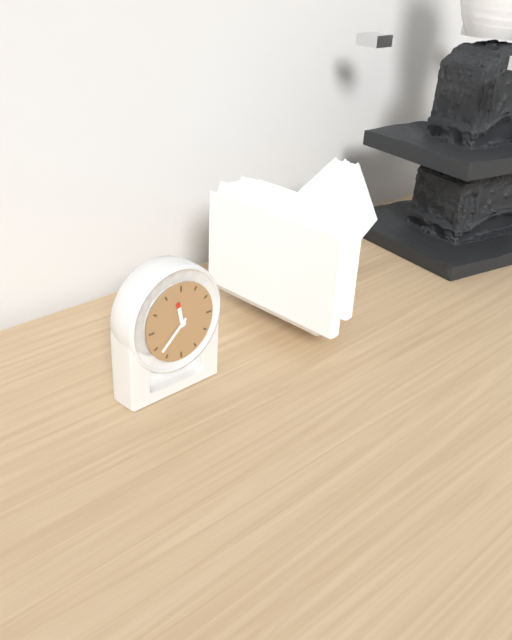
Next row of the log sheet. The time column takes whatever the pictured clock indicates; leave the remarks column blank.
11:38
